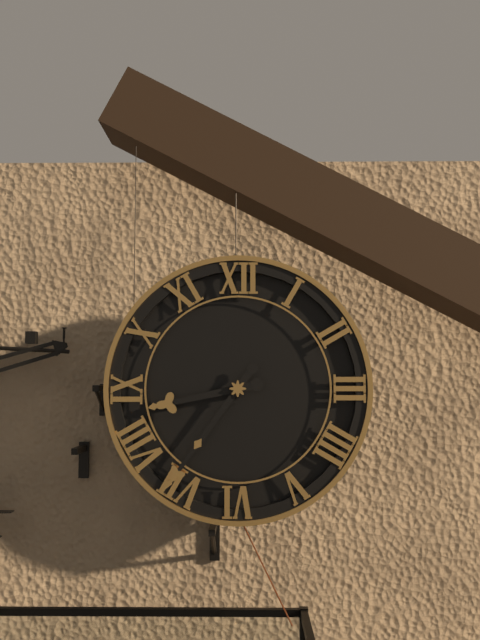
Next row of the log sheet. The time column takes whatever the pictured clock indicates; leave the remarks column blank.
8:36
